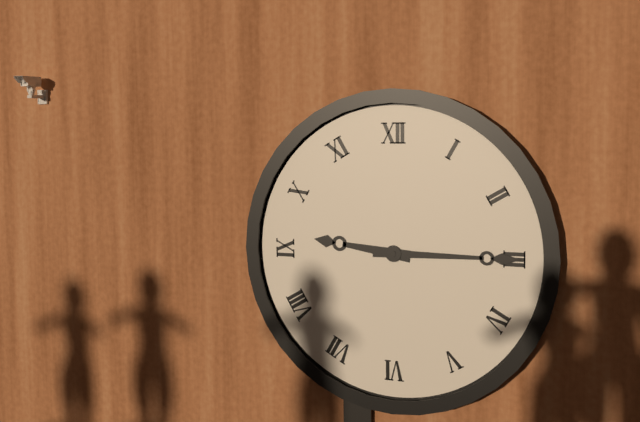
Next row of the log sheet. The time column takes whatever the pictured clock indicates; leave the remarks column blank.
9:15
